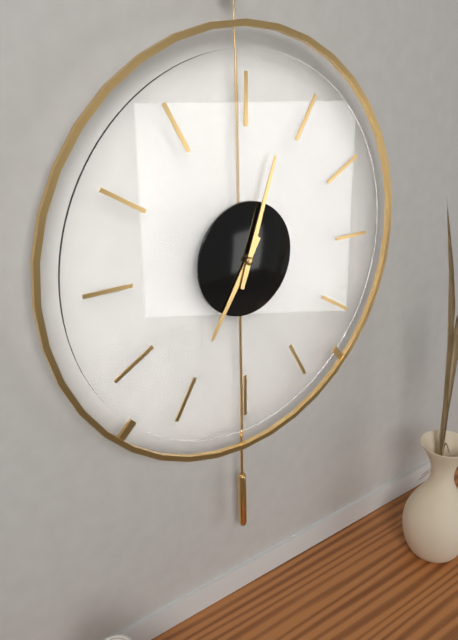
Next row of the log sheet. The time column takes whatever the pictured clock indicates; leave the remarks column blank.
7:03
